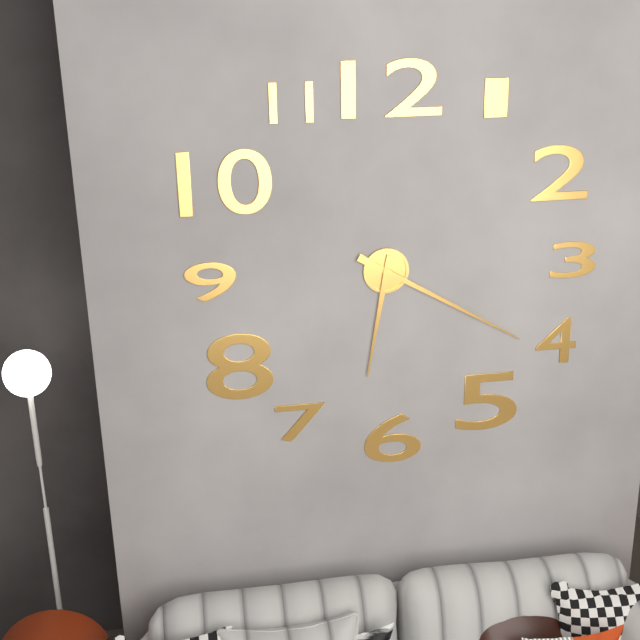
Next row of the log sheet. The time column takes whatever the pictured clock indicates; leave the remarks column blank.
6:20
